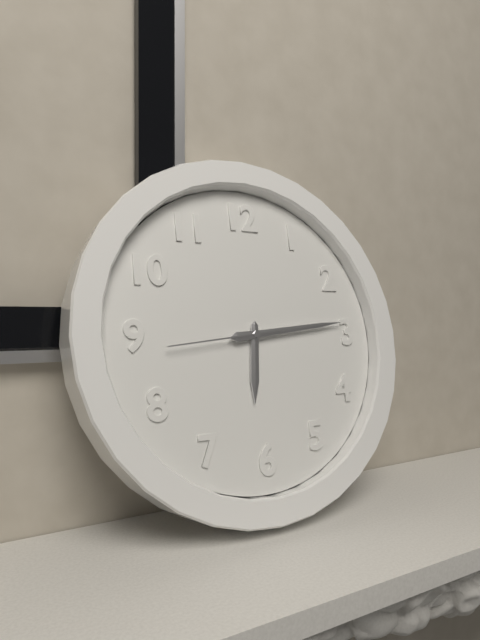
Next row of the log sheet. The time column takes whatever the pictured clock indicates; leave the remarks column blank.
6:14:44
